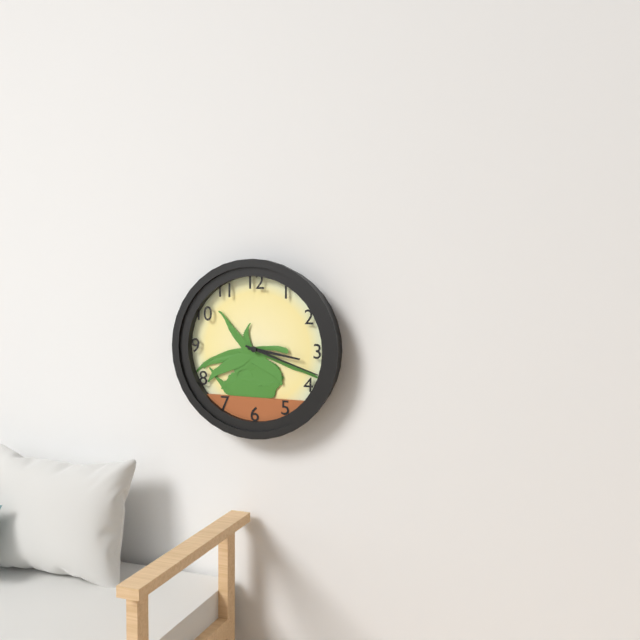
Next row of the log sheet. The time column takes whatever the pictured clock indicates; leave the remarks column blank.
3:18
